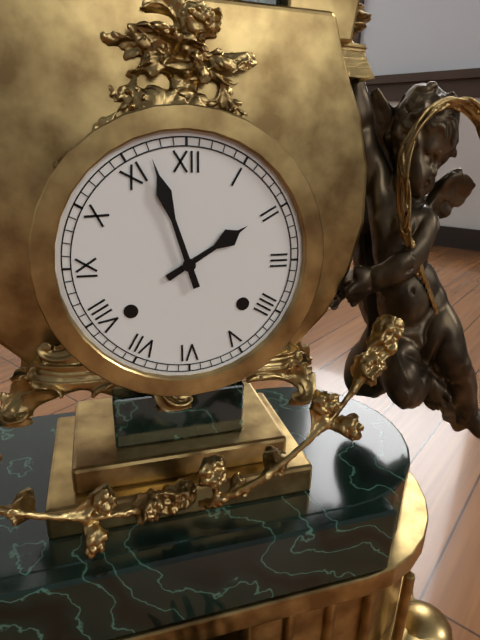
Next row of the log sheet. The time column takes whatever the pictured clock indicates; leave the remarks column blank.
1:57
